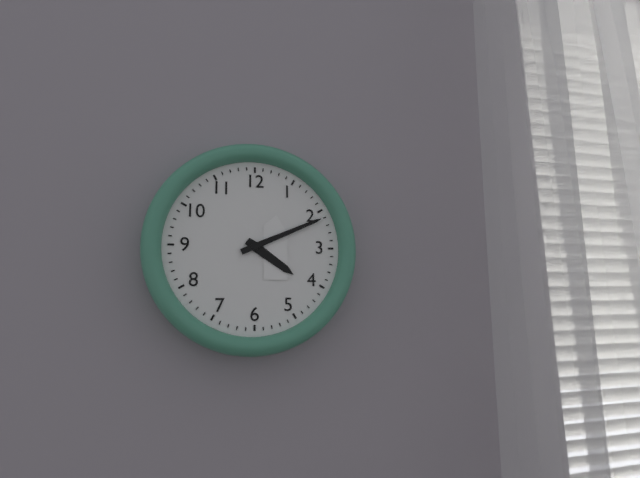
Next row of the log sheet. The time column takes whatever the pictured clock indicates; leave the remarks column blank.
4:11
